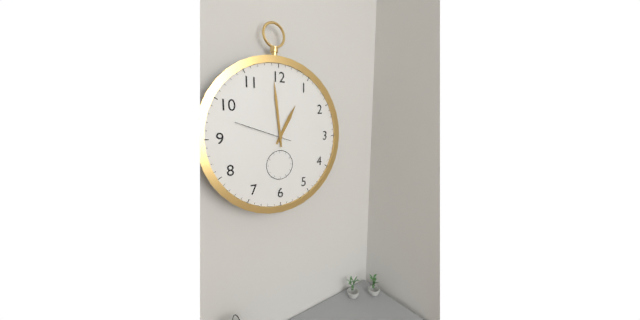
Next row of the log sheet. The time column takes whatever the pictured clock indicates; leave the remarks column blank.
12:59:48
